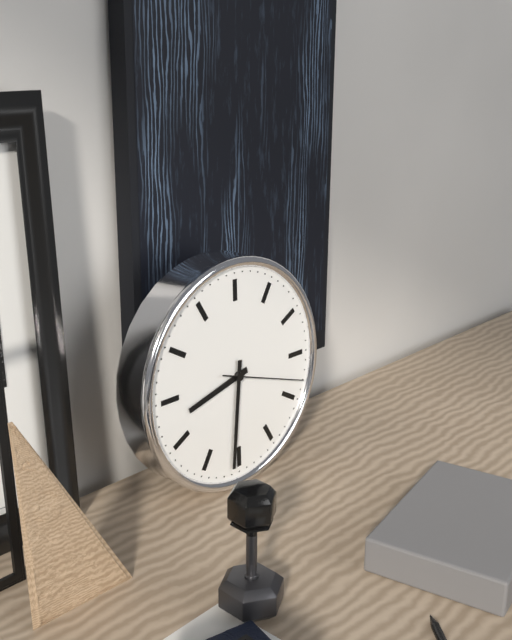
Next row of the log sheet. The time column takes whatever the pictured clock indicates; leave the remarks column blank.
8:31:18
